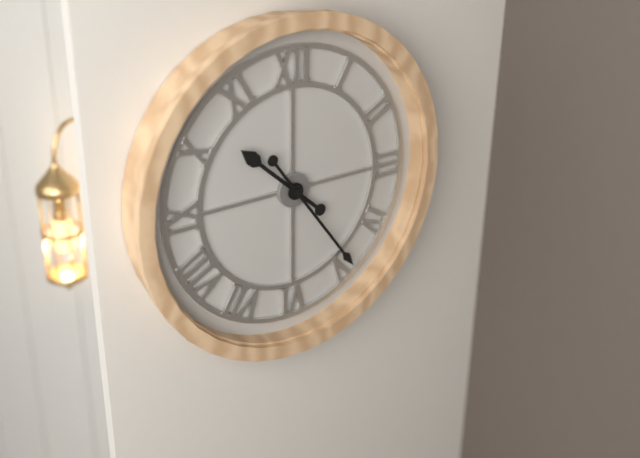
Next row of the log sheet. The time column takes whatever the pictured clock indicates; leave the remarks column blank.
10:24
